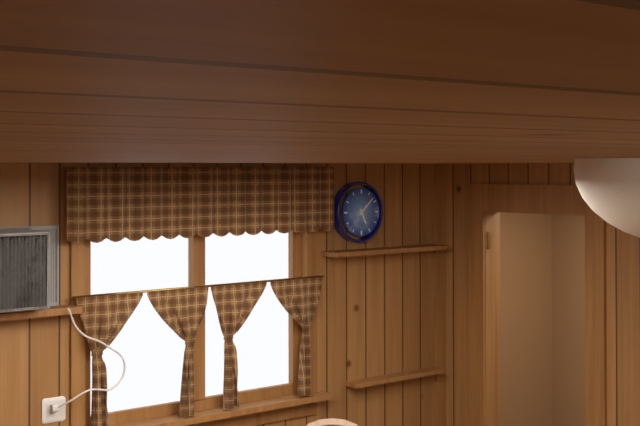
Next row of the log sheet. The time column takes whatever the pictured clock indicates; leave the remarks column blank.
5:08
